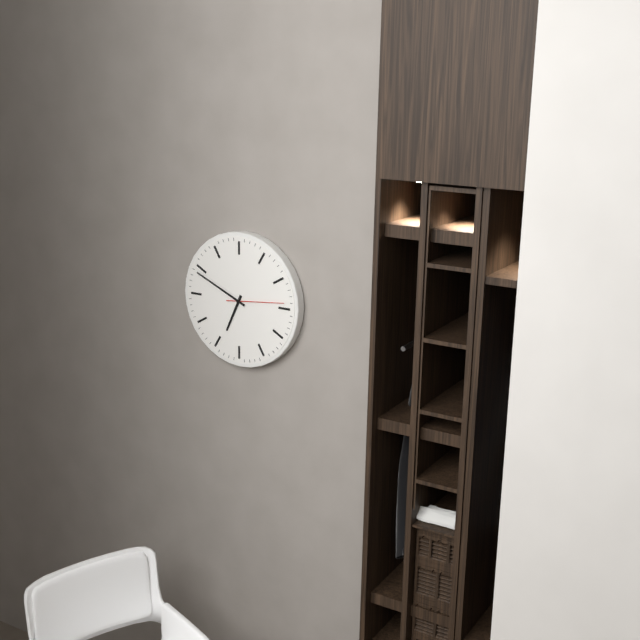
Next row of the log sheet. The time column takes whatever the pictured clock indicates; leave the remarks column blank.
6:49:14
